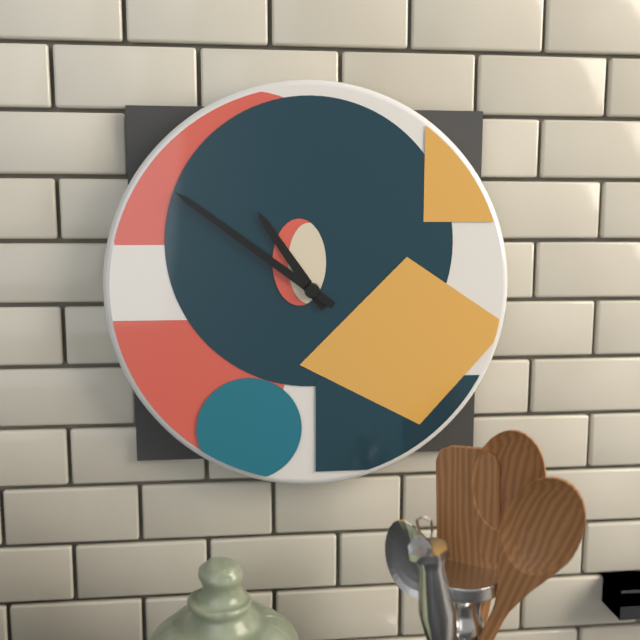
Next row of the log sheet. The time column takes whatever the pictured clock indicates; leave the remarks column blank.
10:51
